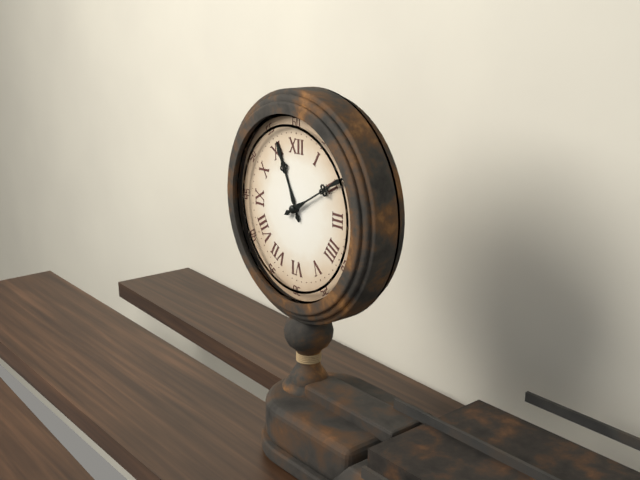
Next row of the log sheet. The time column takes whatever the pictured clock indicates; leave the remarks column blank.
11:10
